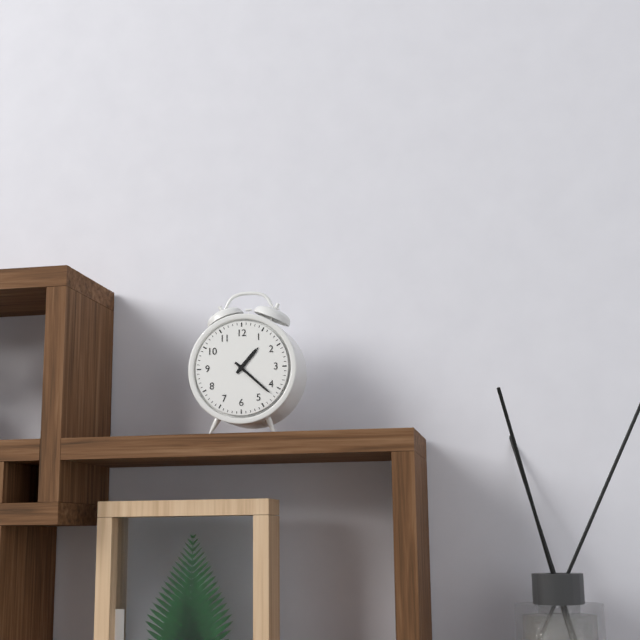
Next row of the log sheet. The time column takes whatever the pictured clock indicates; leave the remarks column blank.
1:22
